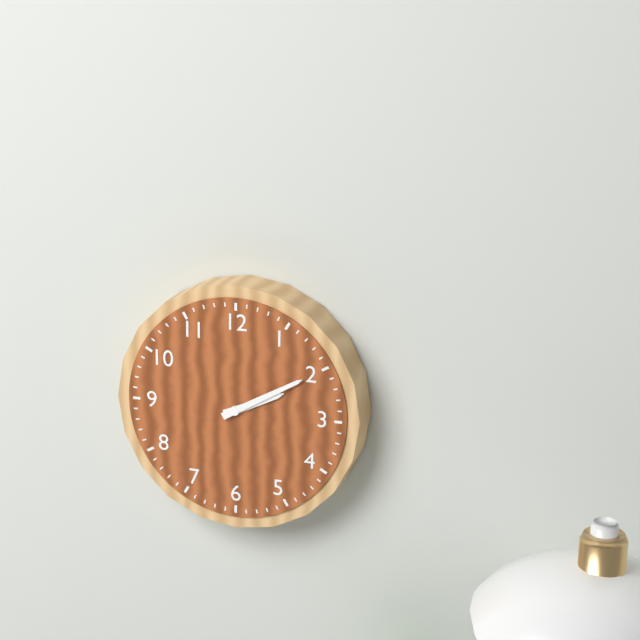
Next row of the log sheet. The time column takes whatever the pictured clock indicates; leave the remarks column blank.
2:10
